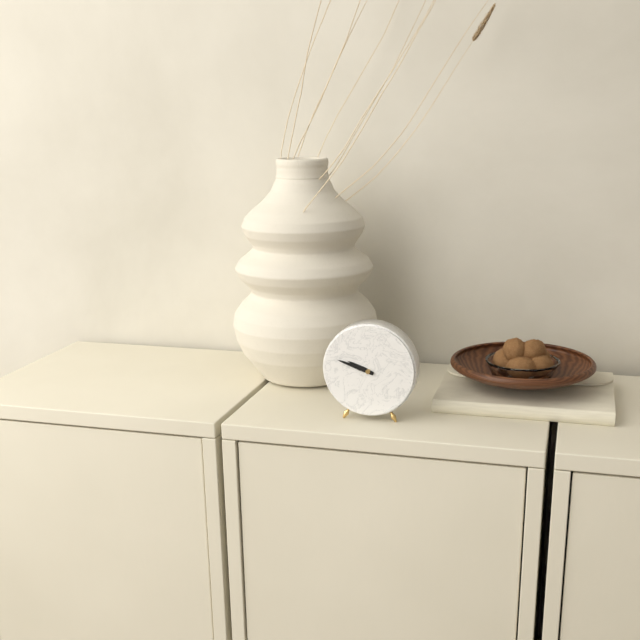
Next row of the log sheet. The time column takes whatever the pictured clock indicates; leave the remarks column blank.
9:48
